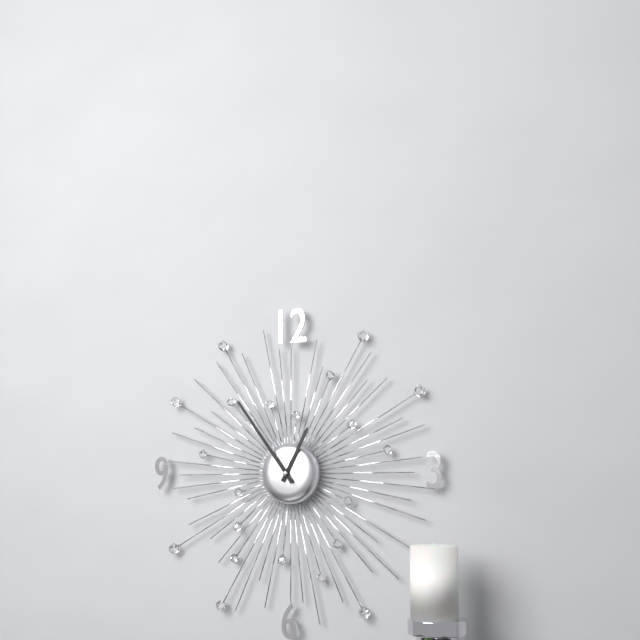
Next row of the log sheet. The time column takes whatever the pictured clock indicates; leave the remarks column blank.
12:54
